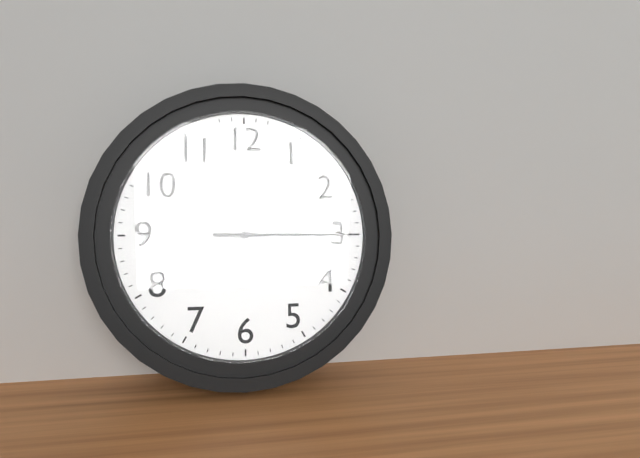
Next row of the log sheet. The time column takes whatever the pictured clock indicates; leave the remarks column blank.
11:15
